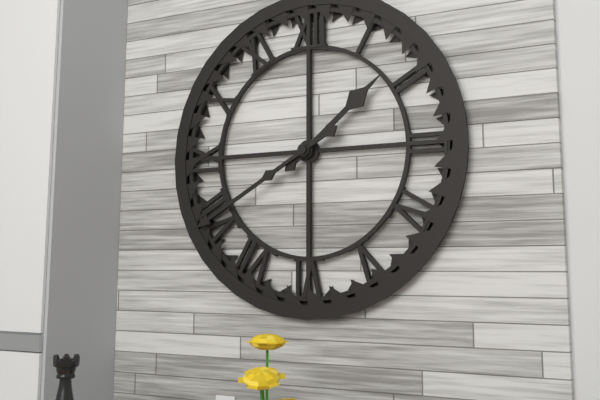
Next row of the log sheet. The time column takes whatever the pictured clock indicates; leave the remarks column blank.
1:40
